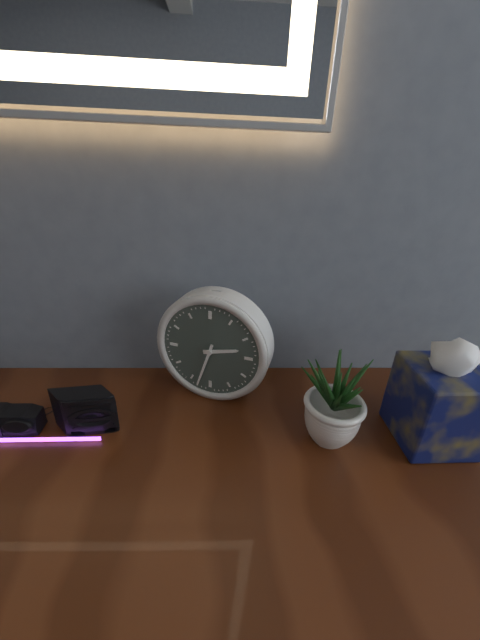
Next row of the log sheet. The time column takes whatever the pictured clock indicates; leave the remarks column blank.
2:33
